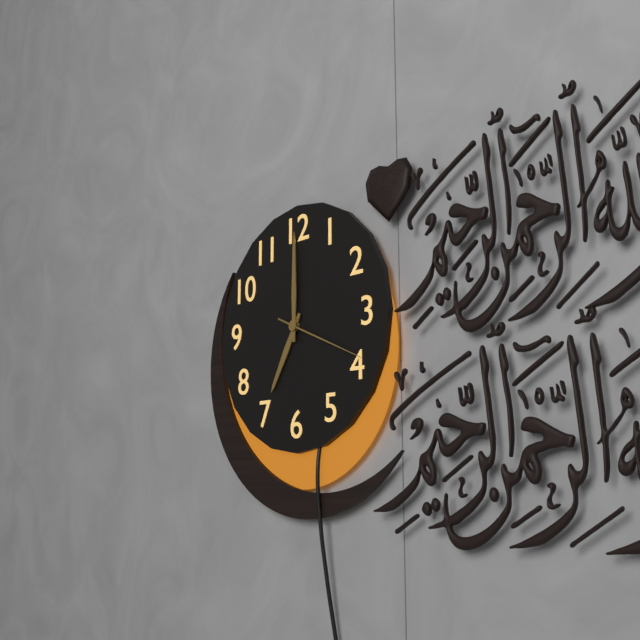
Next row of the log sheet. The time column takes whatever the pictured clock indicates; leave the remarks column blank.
7:00:19
